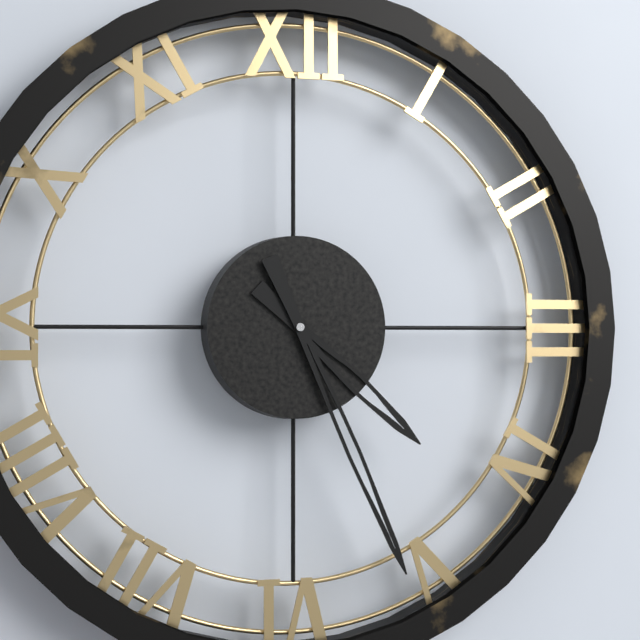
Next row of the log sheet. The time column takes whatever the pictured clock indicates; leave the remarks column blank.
4:26
